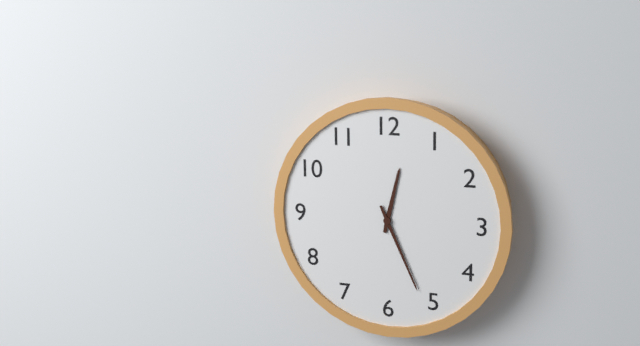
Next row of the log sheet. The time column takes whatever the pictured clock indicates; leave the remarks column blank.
12:26
